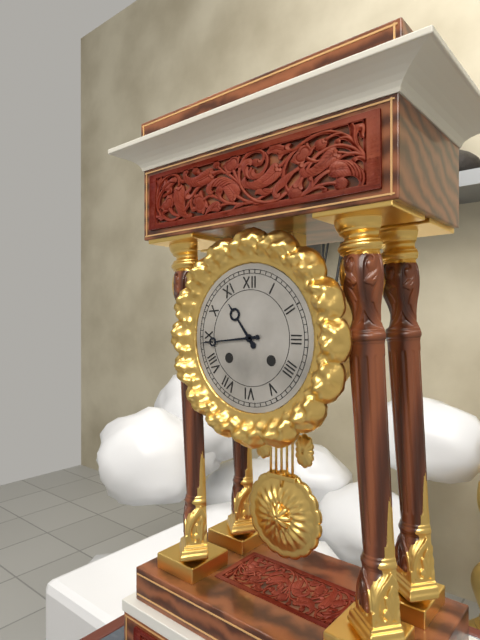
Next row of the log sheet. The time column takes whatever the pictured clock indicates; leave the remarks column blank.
10:44
